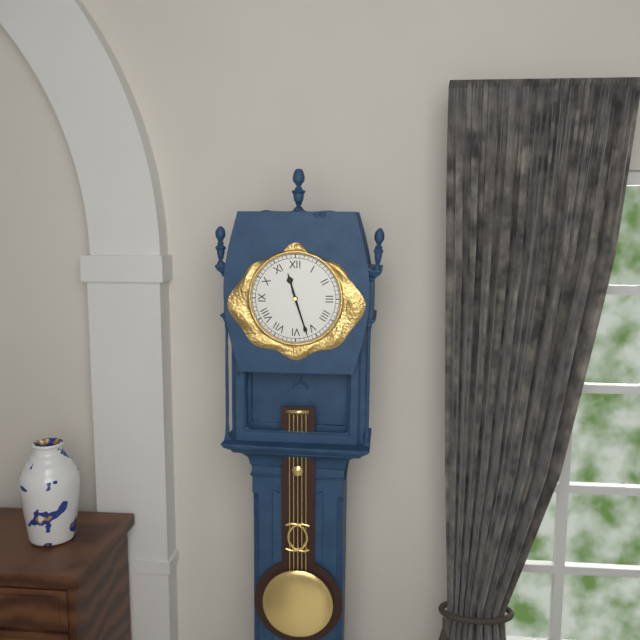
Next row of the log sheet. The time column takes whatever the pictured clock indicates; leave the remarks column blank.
11:27
